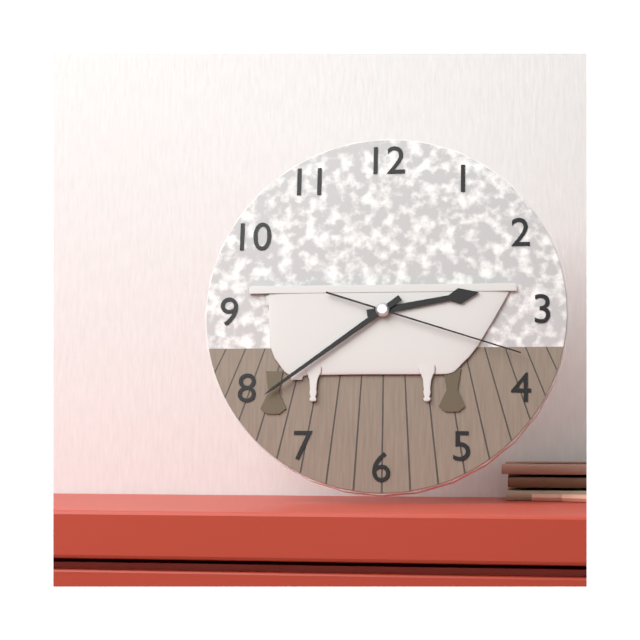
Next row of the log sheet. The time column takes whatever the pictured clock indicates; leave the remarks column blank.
2:39:18
